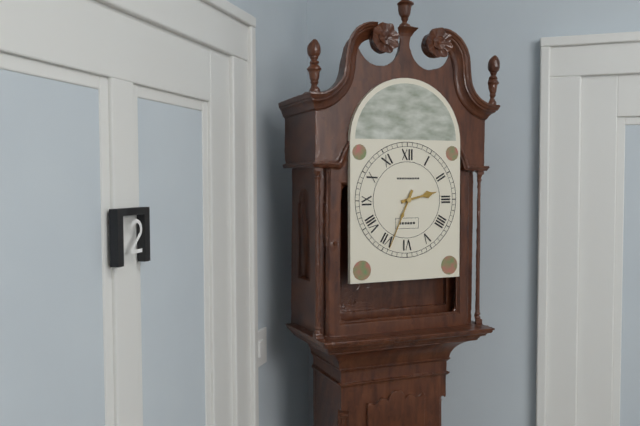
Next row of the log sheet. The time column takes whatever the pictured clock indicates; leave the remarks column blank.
2:34
